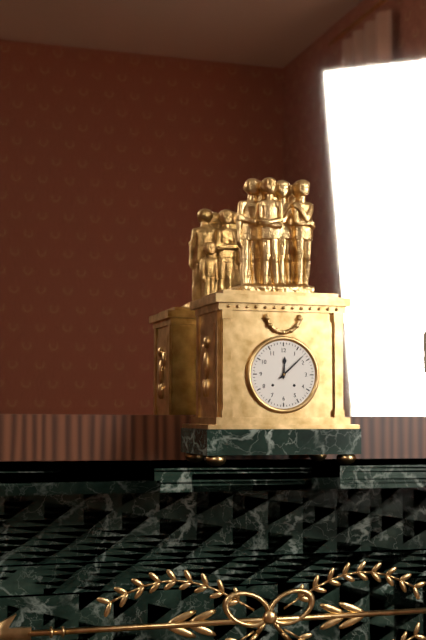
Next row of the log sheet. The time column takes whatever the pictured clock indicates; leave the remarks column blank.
12:08
